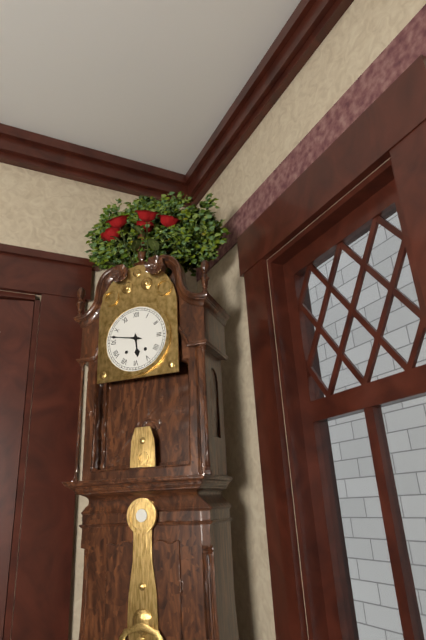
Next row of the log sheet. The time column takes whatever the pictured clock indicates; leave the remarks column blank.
5:47
